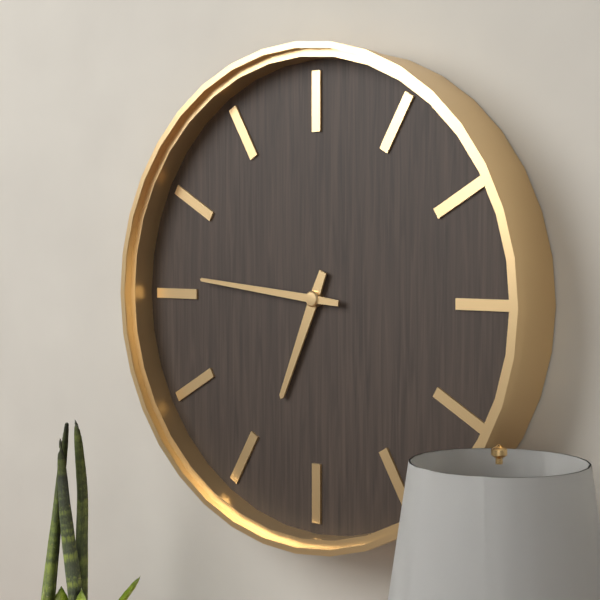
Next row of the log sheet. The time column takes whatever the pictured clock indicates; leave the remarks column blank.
6:46
